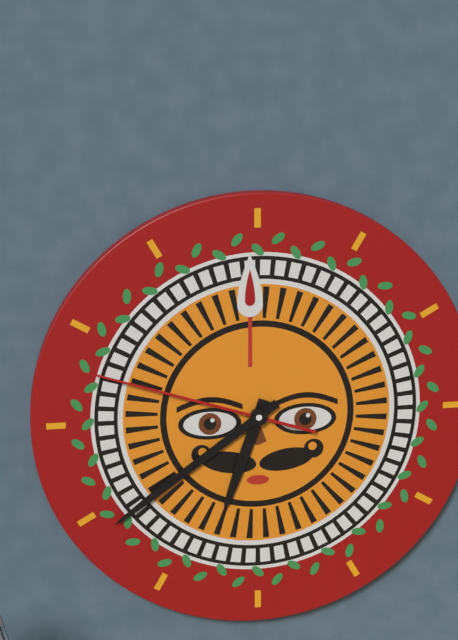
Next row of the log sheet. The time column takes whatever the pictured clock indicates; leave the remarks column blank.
6:39:48
